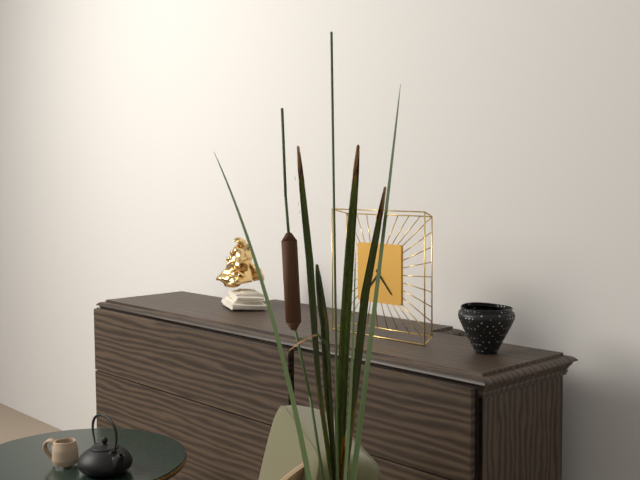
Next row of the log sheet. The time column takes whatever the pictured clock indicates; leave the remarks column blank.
7:23
